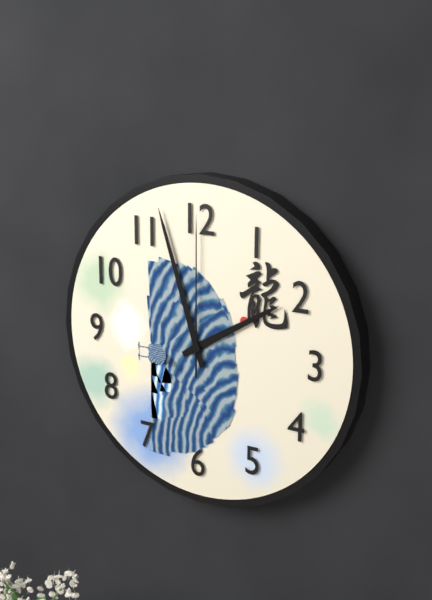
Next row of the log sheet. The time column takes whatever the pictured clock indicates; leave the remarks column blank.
1:57:00
